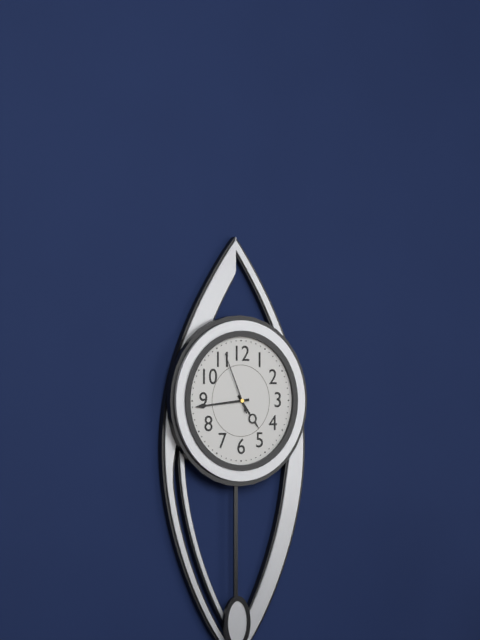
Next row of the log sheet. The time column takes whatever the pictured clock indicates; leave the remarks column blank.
4:44:56
